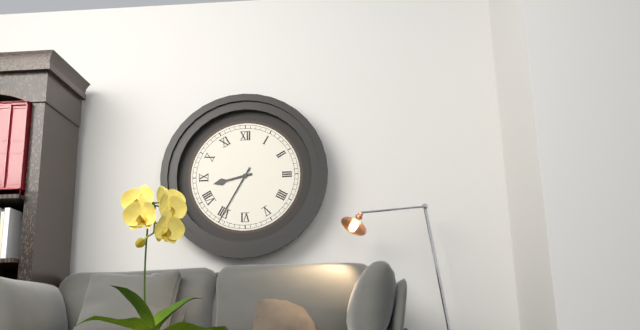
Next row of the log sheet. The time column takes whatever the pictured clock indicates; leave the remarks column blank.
8:35
